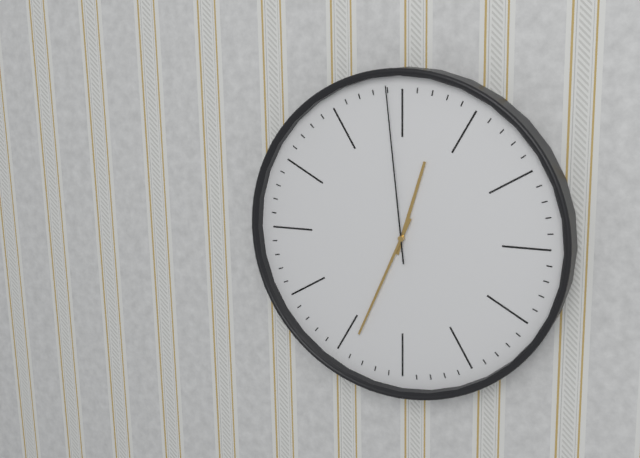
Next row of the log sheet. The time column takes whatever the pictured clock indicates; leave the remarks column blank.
12:34:59
